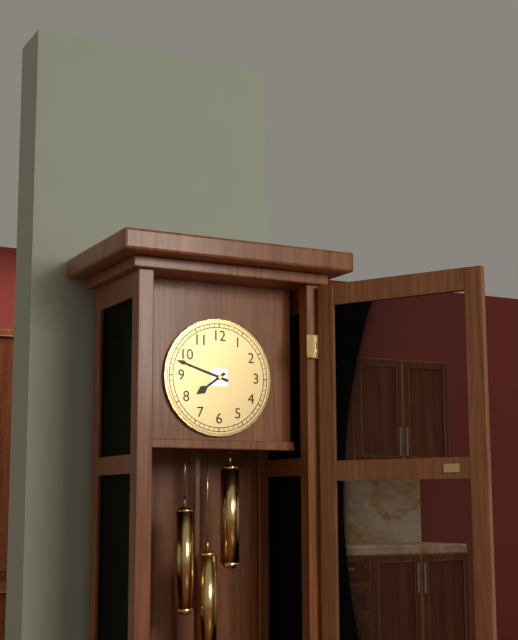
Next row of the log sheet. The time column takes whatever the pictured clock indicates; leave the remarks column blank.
7:48
